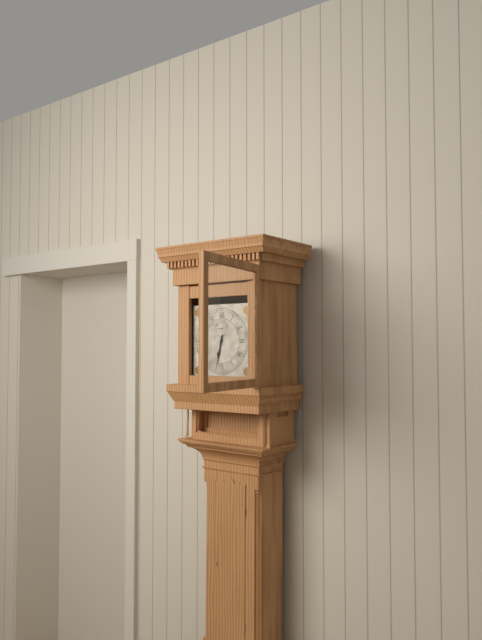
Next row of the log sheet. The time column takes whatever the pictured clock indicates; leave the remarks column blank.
6:32
